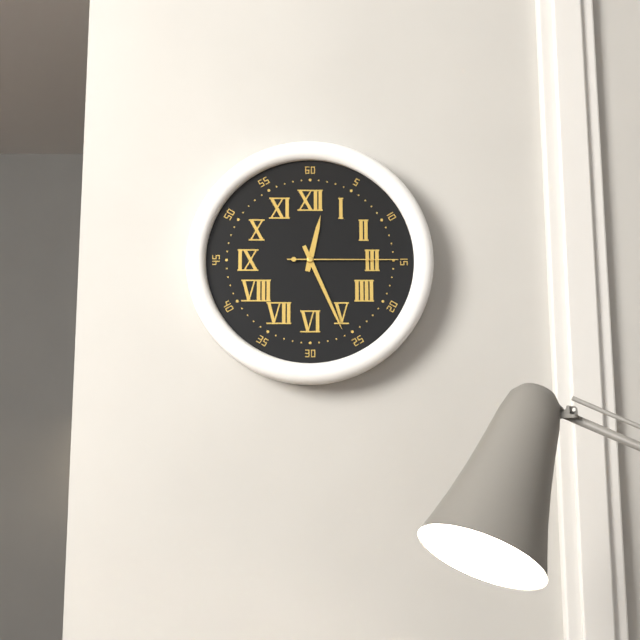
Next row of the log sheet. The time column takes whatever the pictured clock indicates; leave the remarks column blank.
12:26:15
